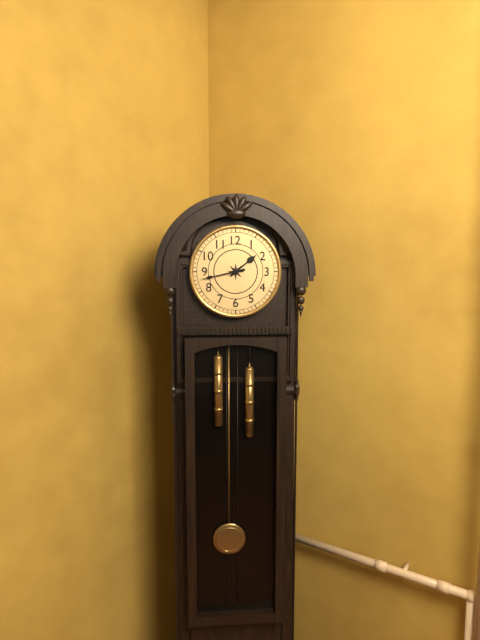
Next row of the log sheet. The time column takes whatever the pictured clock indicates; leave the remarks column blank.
1:43
